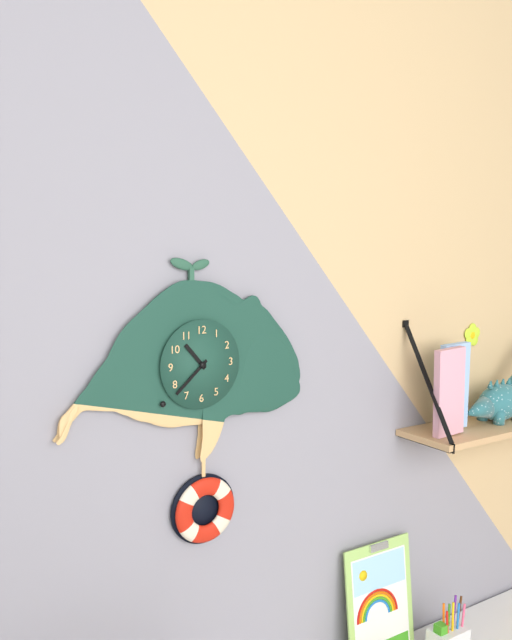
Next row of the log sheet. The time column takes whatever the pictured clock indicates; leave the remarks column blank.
10:38
